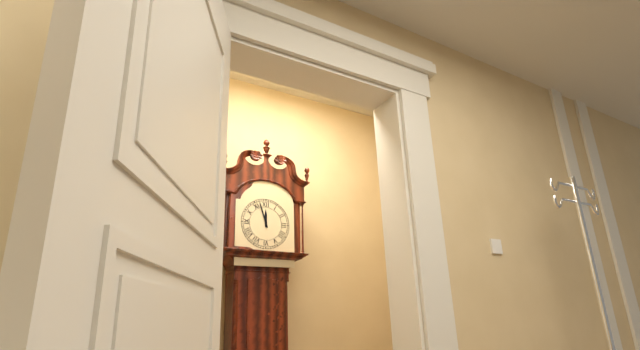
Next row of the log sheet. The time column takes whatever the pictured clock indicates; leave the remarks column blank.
11:57
